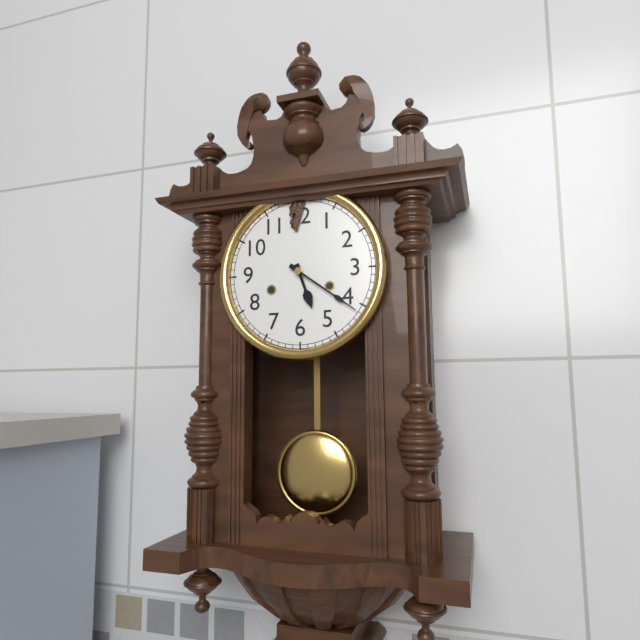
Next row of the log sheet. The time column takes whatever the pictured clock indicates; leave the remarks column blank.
5:21
